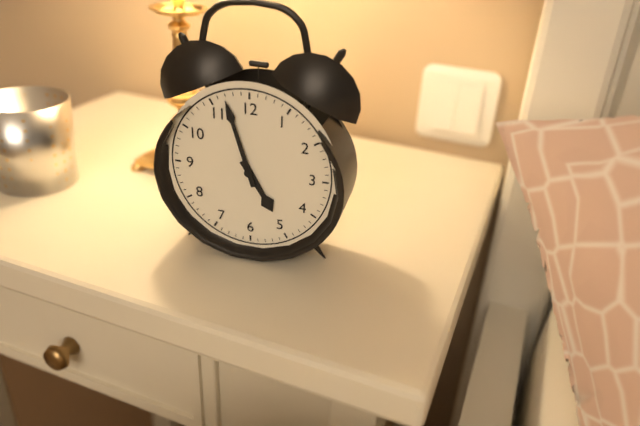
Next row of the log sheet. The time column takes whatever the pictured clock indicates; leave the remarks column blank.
4:57
